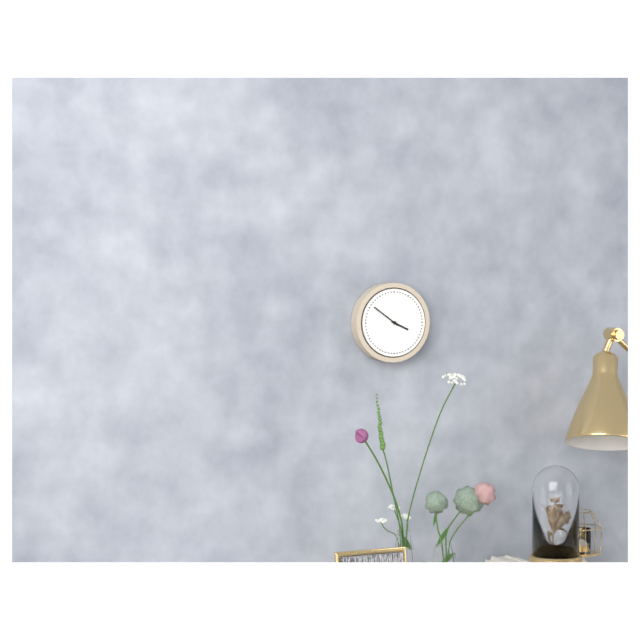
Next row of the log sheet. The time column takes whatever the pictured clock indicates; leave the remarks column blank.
3:51
